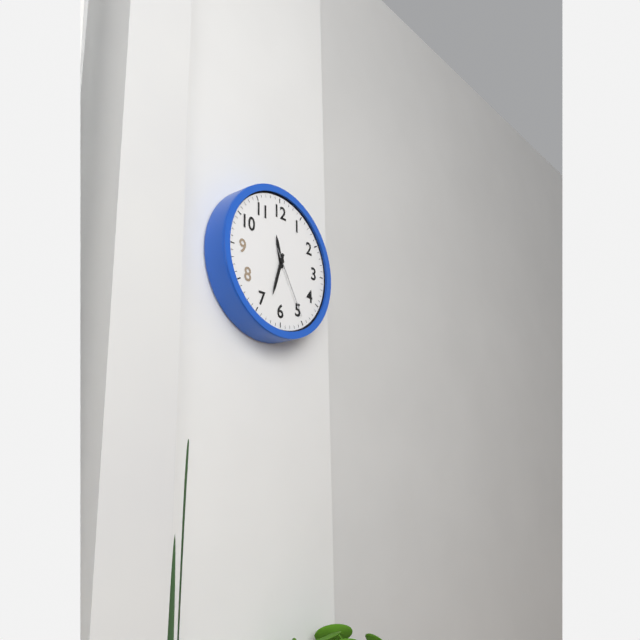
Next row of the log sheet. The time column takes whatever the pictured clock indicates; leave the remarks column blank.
11:33:25
